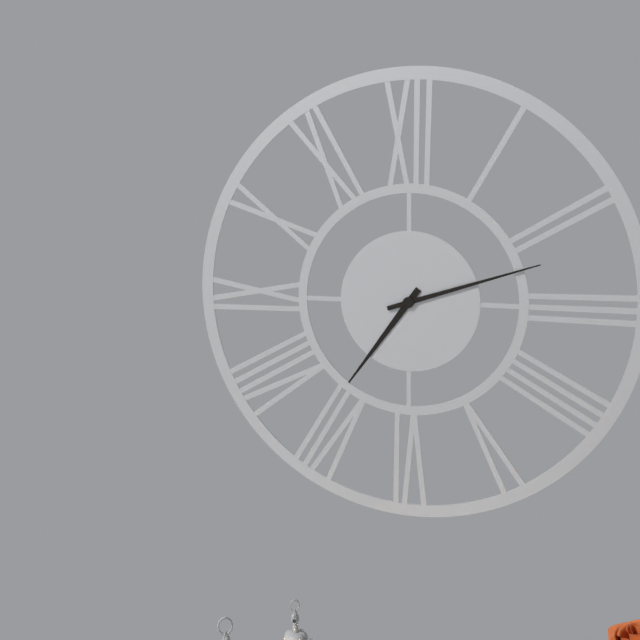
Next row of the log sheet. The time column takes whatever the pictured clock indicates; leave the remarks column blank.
7:12
